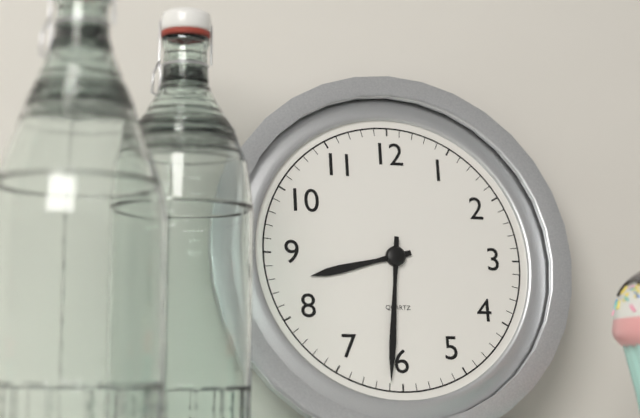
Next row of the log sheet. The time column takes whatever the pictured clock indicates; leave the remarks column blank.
8:31
